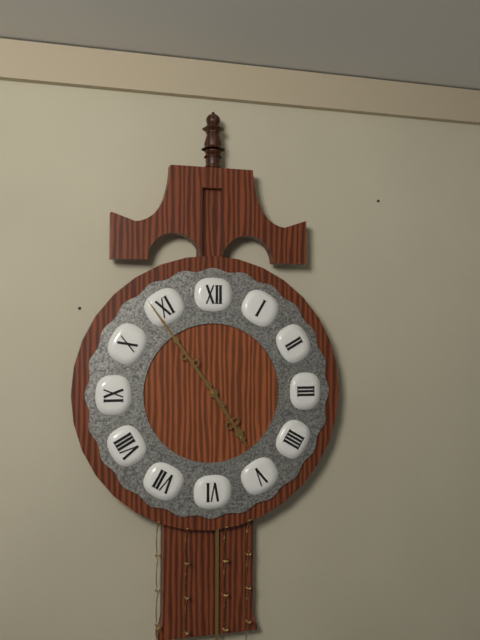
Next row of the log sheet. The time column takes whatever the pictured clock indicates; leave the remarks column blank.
4:54
